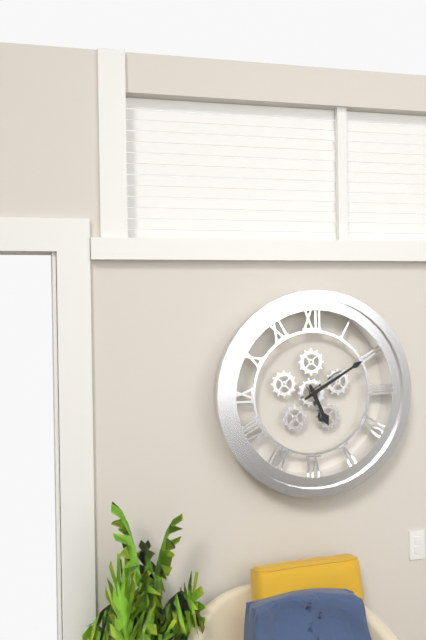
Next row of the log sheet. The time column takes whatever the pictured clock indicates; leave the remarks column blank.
5:10
